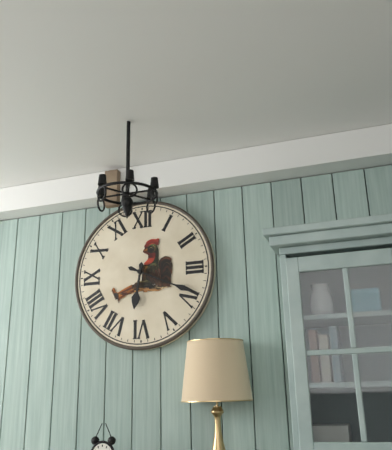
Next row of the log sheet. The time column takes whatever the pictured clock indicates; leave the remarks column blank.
6:19
